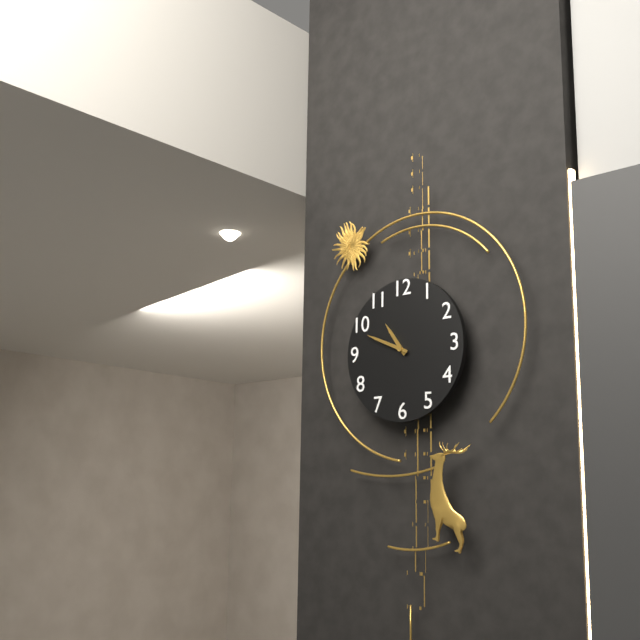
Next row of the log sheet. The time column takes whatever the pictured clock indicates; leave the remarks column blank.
10:49
